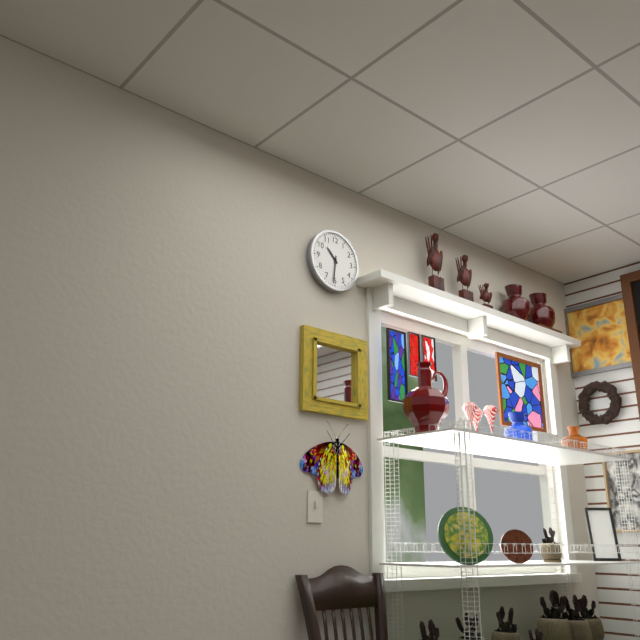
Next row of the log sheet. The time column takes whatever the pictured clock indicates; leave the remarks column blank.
10:31
